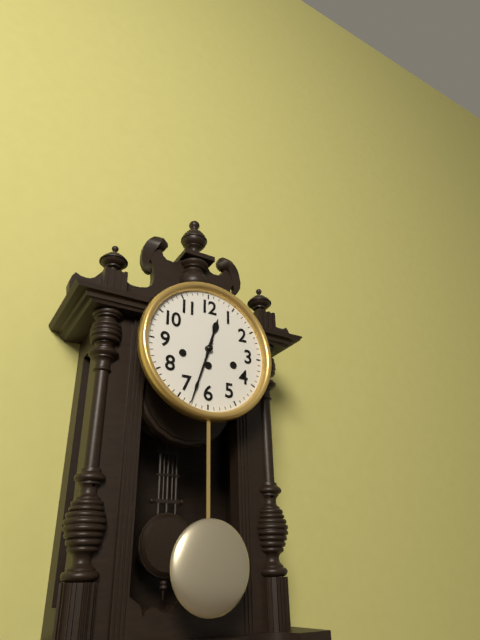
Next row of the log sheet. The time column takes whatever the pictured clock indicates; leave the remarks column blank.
12:33
